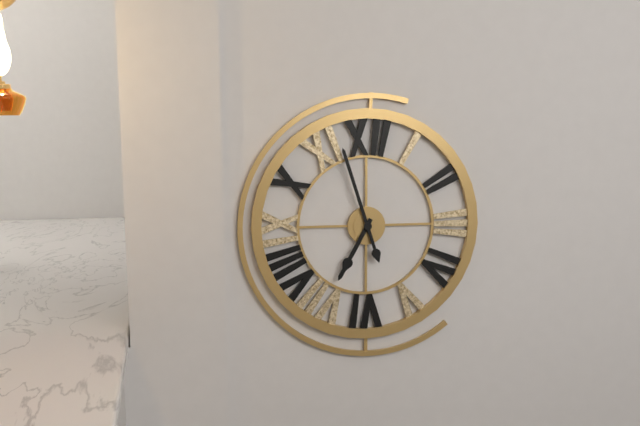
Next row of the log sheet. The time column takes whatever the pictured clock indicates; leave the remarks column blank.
6:57
